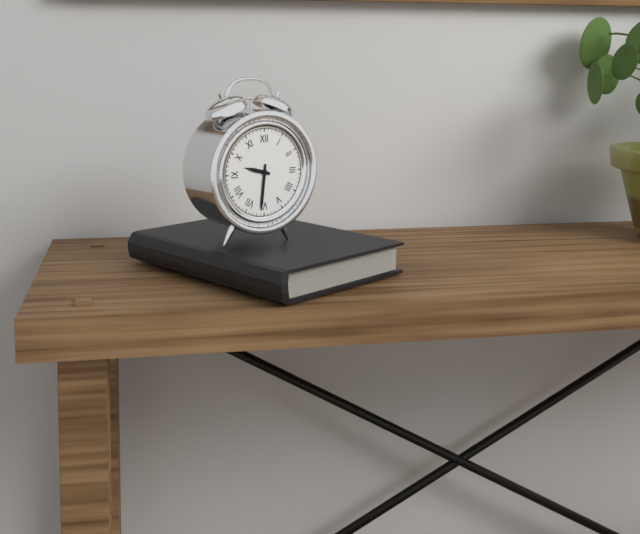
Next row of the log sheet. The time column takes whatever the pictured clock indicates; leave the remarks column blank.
9:31
